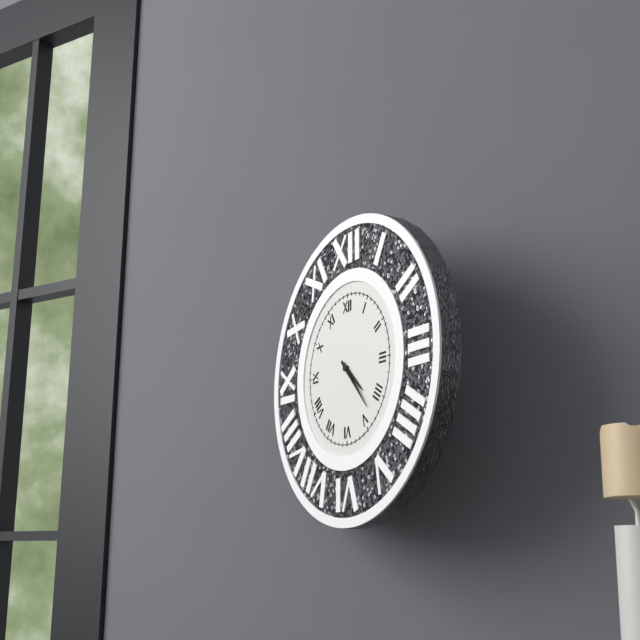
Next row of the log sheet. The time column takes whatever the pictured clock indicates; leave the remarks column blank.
4:23
